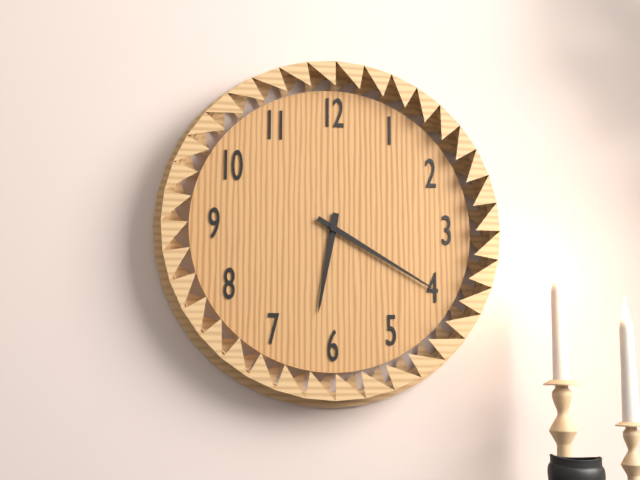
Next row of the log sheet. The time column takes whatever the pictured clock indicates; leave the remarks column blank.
6:20
